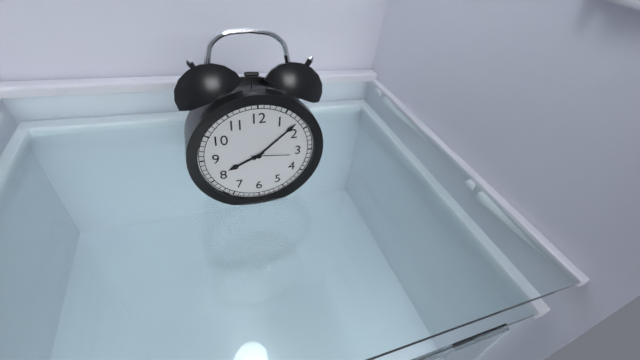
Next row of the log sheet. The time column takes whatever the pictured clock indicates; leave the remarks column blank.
8:08
